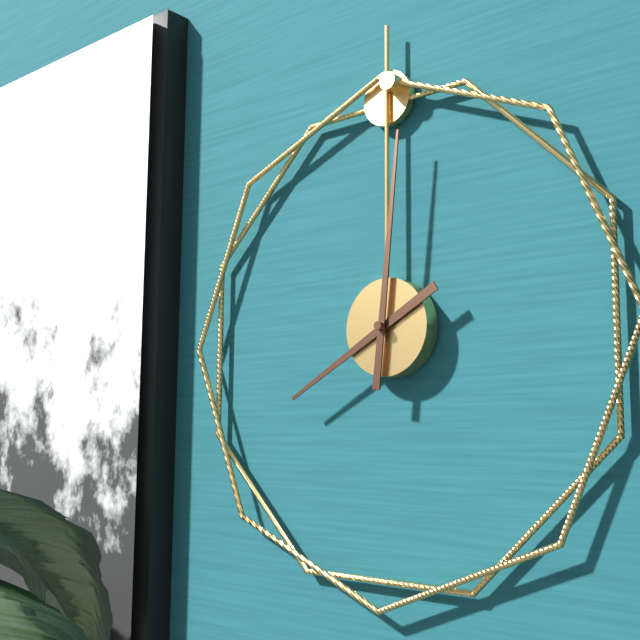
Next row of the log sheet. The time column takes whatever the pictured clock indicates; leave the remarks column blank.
8:01
